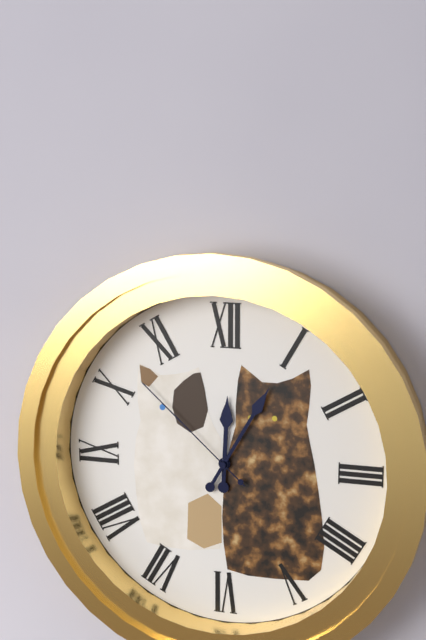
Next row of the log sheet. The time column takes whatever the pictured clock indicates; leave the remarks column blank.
12:05:52
